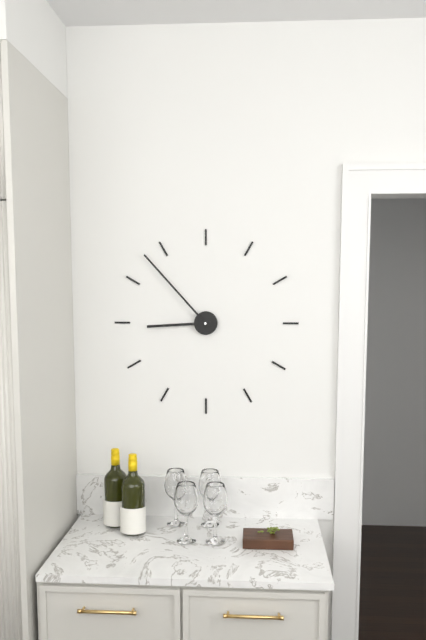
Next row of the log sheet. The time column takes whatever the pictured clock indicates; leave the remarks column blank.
8:53
